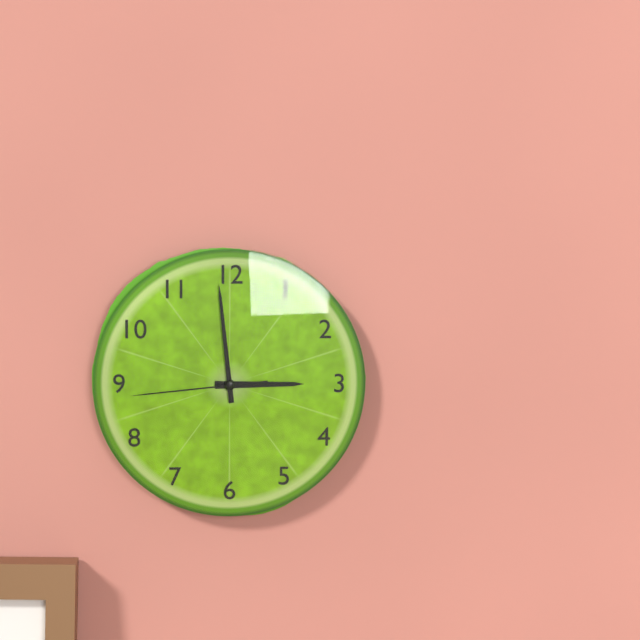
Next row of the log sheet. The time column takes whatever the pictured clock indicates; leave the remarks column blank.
2:59:44
